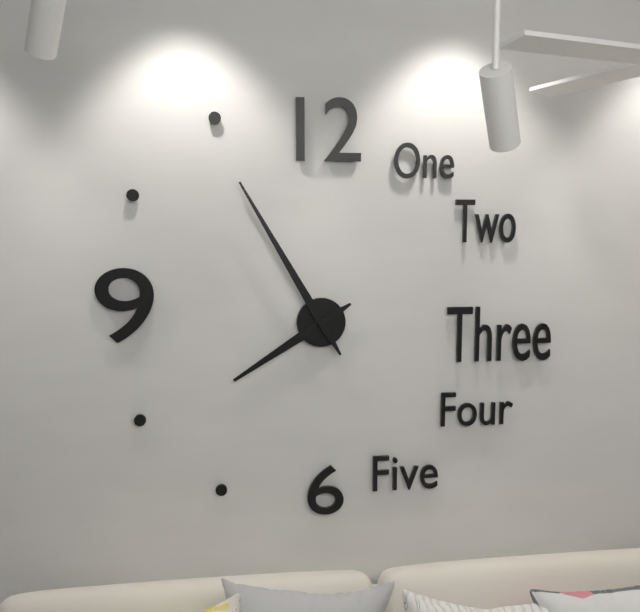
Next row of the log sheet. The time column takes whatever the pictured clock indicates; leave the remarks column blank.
7:55
